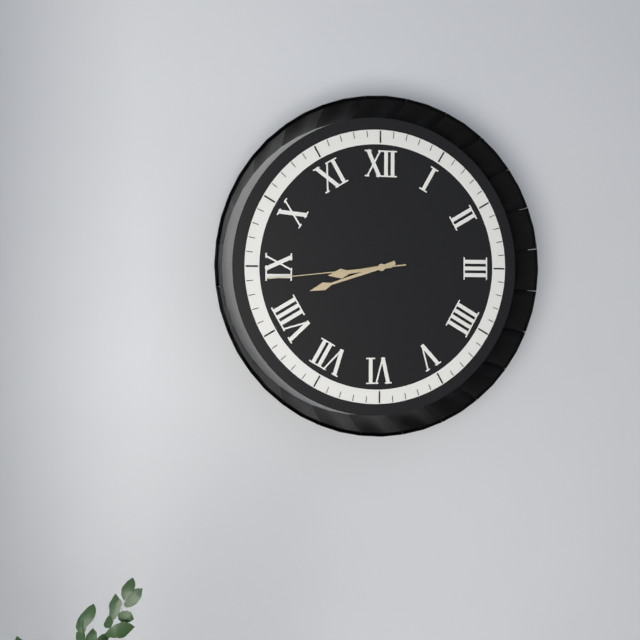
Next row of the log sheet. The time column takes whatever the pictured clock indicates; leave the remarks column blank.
8:42:44
